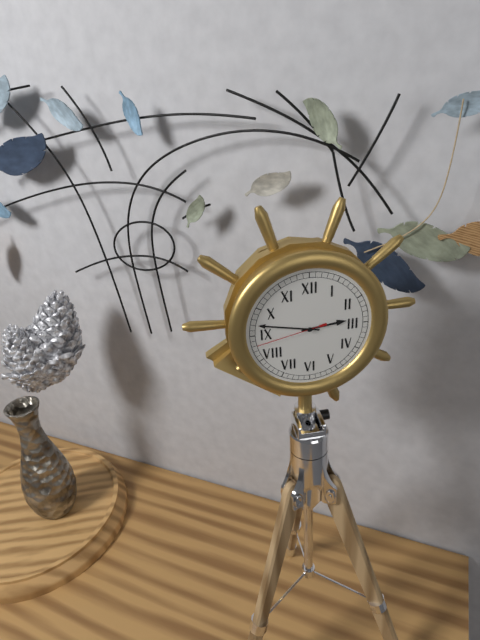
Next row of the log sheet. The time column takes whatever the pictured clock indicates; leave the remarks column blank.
2:47:43
